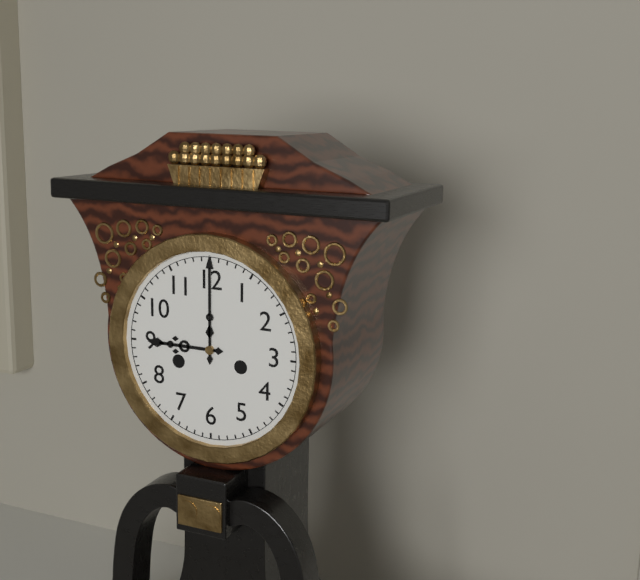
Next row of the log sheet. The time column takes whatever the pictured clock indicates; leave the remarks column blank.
9:00
